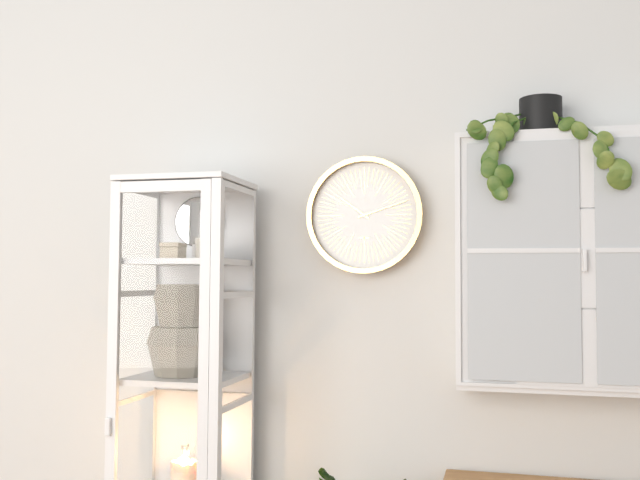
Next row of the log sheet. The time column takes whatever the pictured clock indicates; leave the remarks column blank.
10:12
